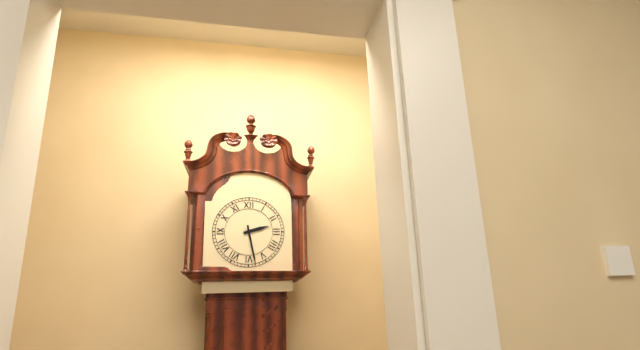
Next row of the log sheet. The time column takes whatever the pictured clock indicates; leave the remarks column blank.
2:28
